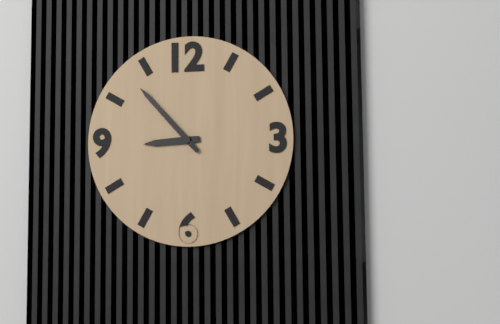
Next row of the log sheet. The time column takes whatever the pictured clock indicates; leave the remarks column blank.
8:53
